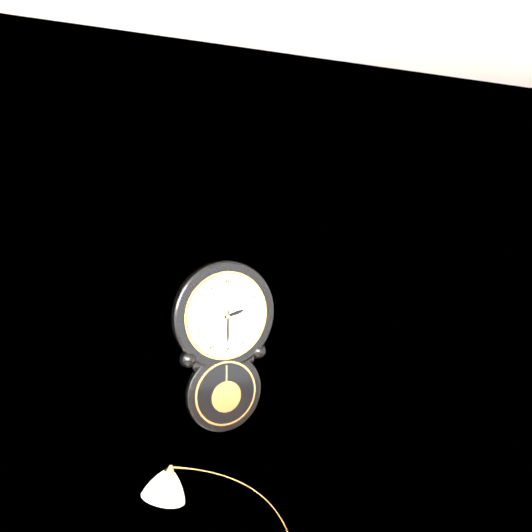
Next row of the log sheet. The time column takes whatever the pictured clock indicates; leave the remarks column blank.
2:30
